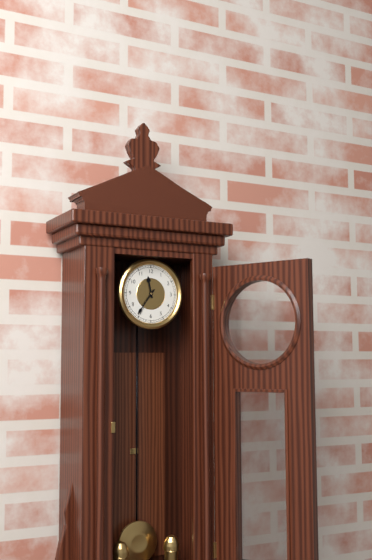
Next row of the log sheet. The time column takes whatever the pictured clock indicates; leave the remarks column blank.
11:36
